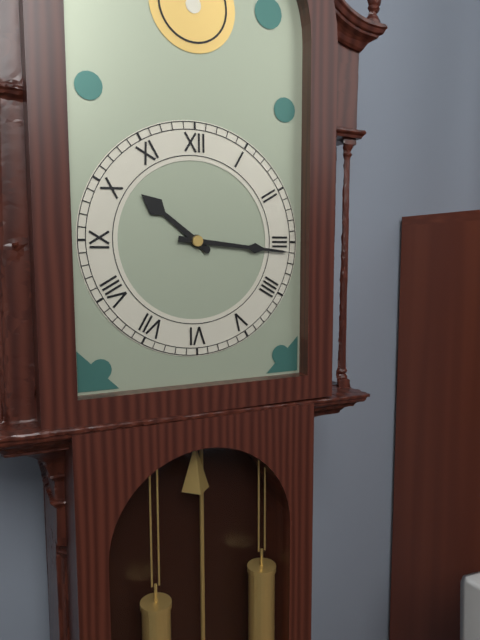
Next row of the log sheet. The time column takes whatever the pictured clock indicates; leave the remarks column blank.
10:16
